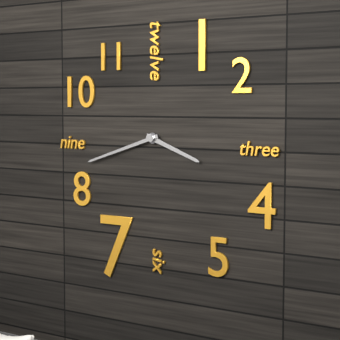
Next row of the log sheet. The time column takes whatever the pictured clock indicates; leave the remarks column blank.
3:42
